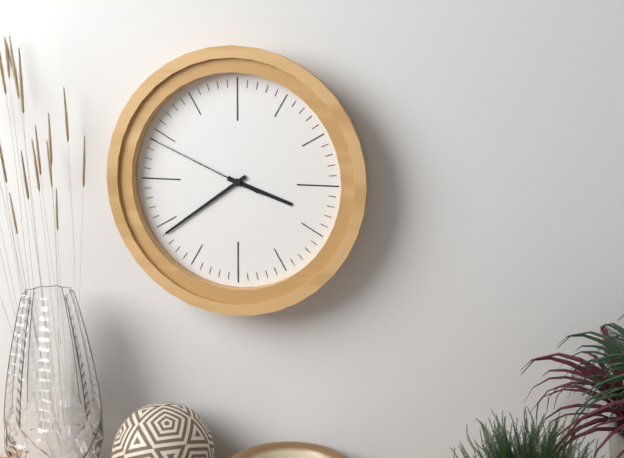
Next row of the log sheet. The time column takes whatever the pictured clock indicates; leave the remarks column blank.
3:39:49
